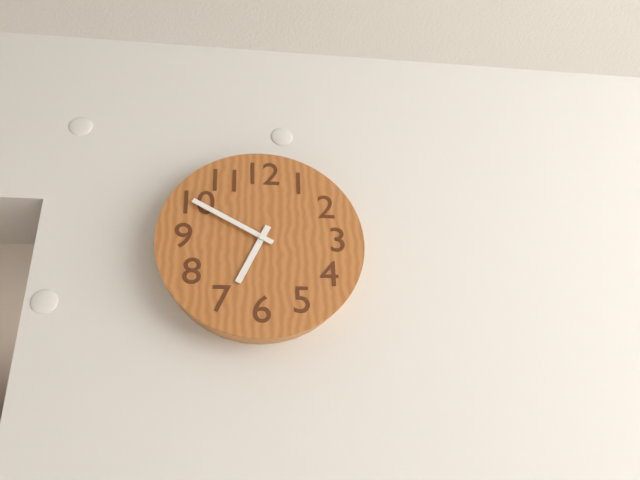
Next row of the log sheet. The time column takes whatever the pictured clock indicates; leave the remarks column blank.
6:50
